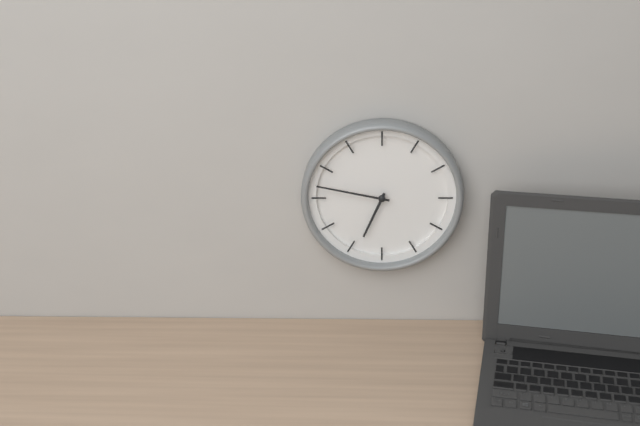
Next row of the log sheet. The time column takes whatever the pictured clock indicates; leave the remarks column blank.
6:47
